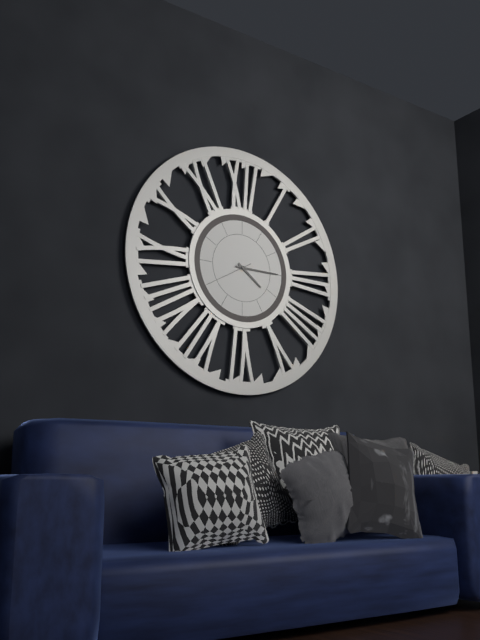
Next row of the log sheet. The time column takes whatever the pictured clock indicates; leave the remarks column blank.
4:15
